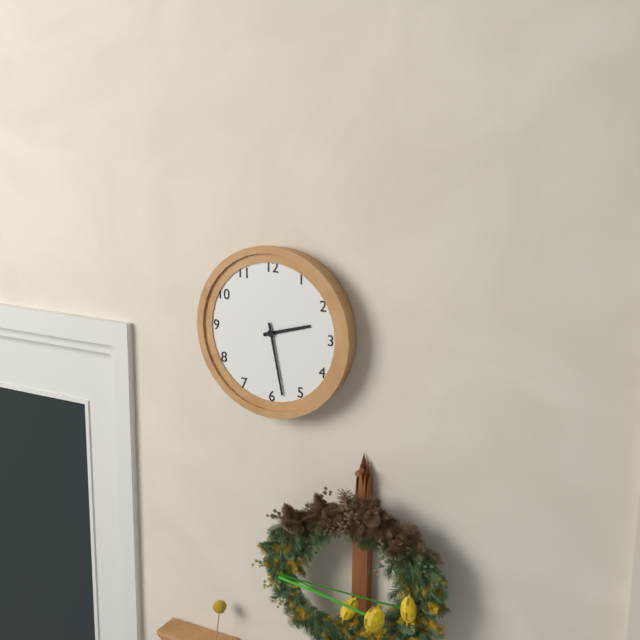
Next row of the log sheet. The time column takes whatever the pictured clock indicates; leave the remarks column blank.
2:28
